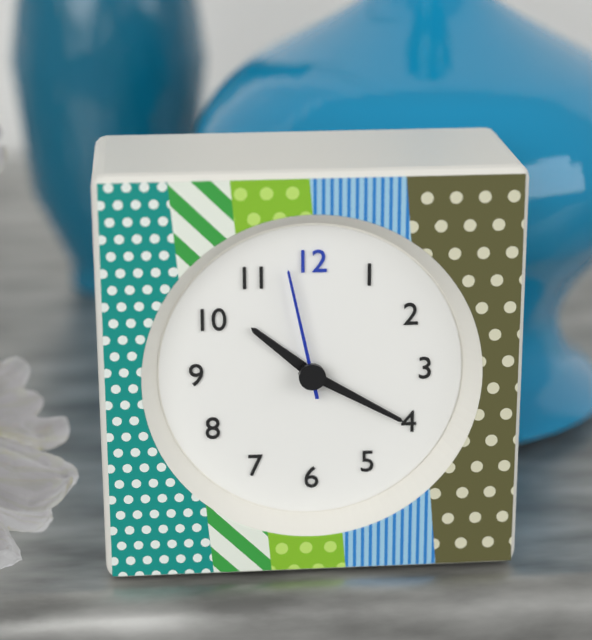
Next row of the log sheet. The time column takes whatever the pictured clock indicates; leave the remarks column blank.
10:20:58
